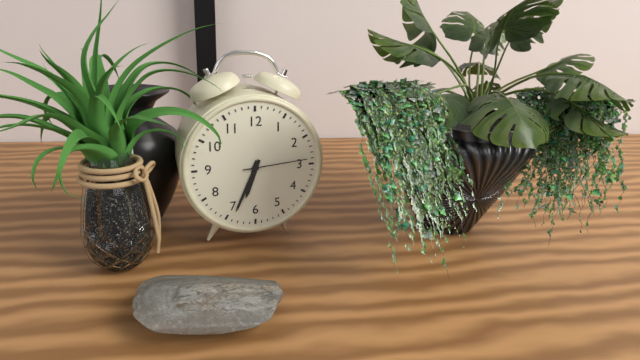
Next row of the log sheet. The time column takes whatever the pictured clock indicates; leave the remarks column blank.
6:34:14
